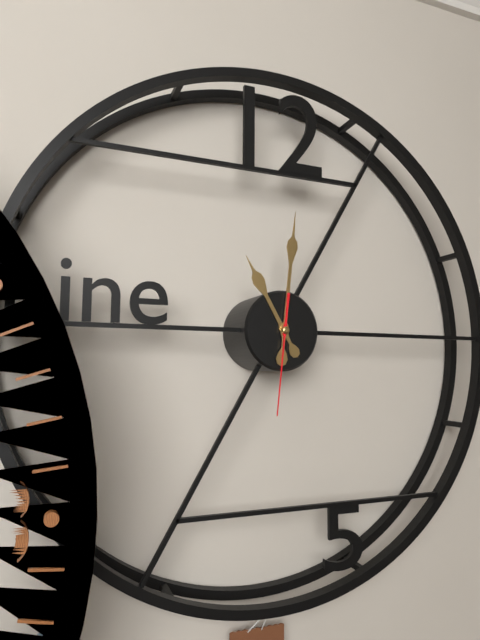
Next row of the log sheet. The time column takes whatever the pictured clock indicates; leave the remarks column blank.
11:01:31
